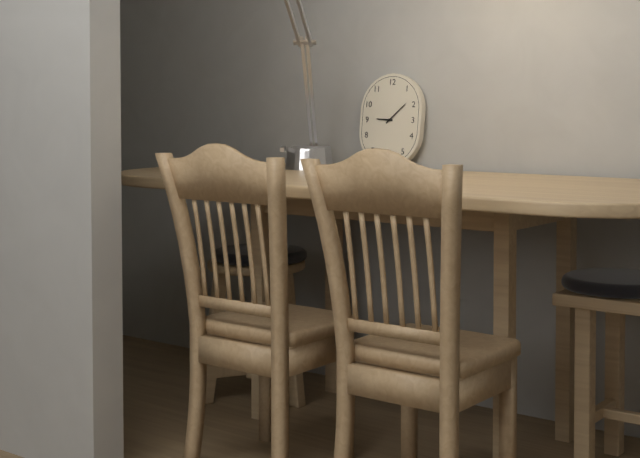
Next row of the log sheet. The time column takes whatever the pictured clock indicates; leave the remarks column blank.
9:08
